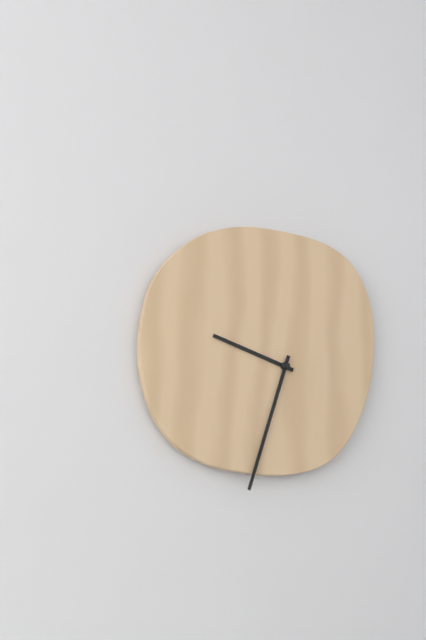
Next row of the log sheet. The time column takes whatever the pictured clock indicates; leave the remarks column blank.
9:33
